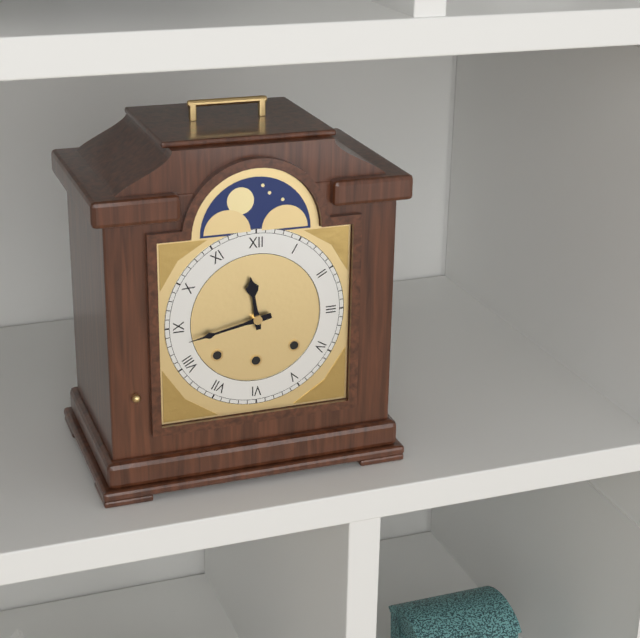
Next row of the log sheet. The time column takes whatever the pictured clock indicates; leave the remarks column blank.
11:43
